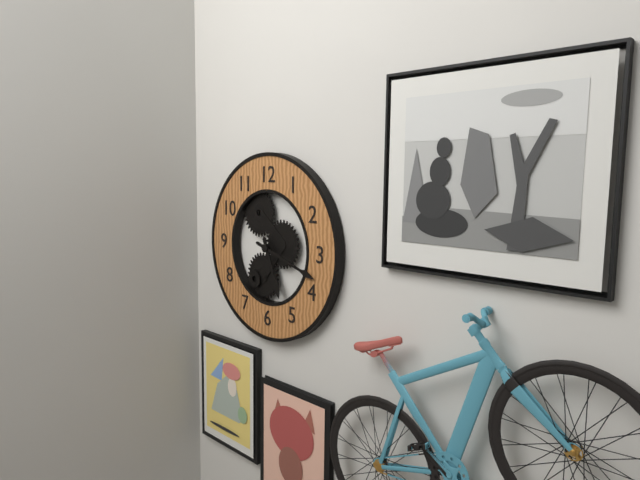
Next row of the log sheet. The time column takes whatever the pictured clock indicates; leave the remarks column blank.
5:18
